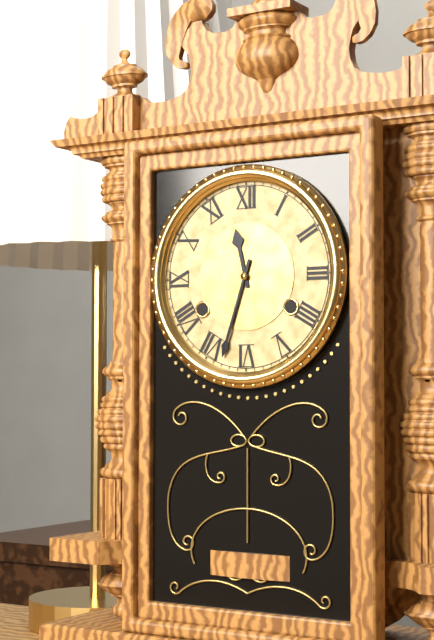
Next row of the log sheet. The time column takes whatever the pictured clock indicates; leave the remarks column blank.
11:33
